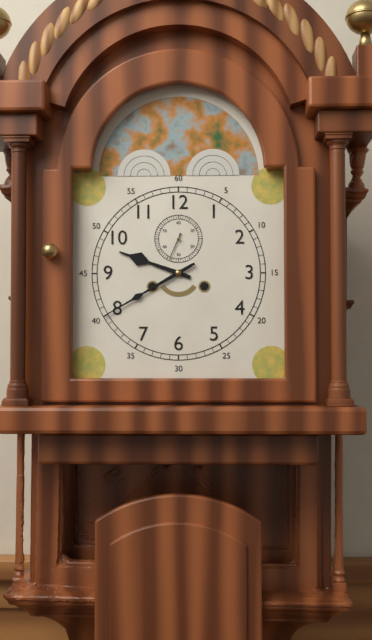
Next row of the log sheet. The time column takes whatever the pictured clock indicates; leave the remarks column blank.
9:40
